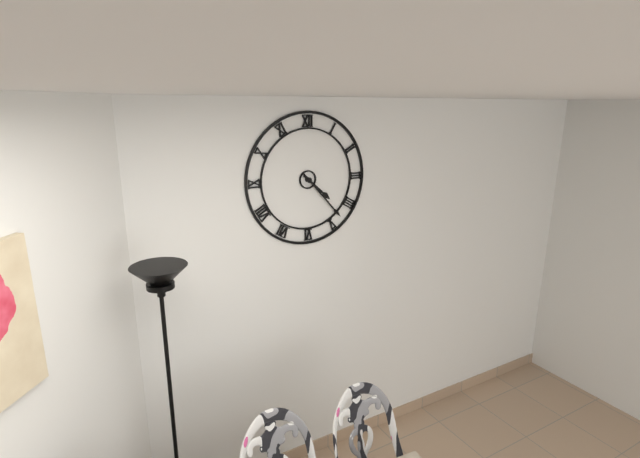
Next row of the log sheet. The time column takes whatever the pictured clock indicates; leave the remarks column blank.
4:23
